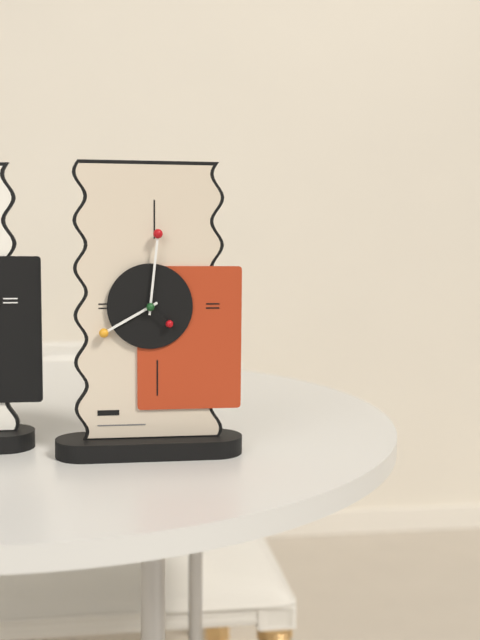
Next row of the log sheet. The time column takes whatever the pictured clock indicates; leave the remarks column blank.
8:01
